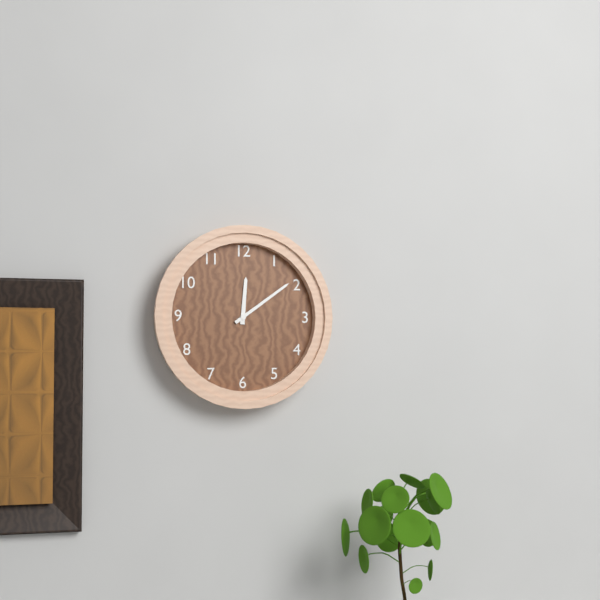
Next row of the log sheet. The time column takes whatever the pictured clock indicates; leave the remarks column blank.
12:09
